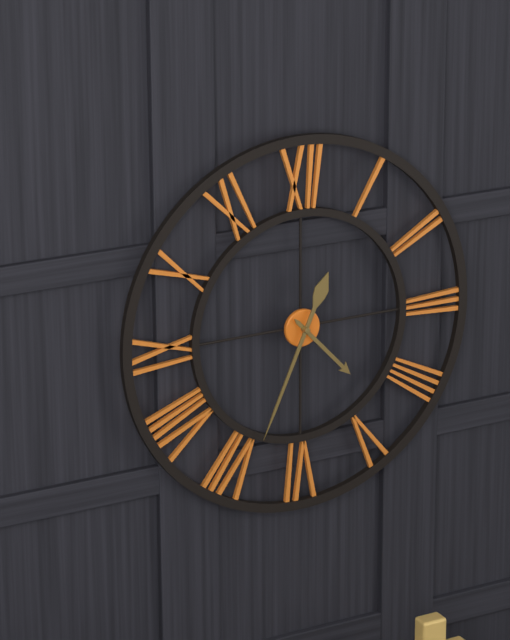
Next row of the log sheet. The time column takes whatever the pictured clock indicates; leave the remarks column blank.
4:34
